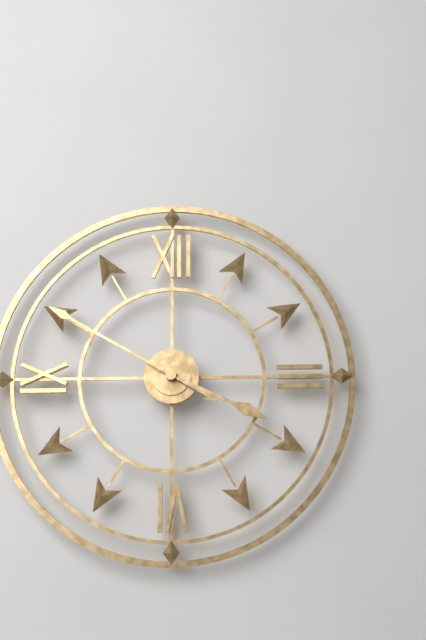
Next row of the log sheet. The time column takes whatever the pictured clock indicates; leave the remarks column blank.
3:50
